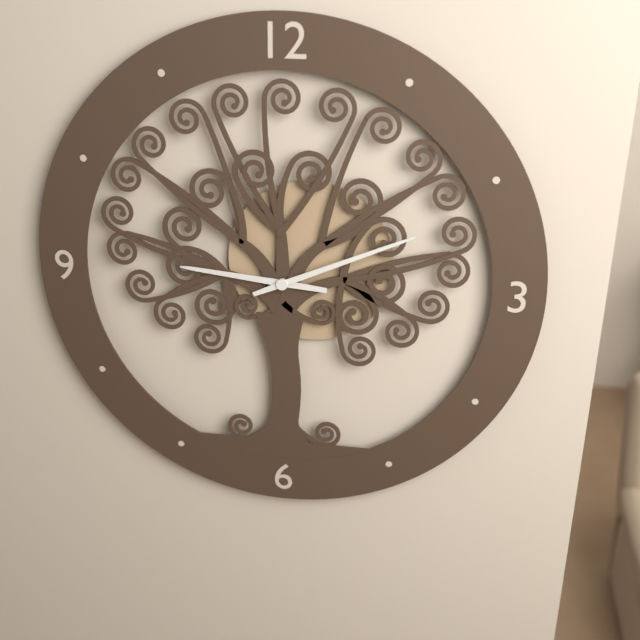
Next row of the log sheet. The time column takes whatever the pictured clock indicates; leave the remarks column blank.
9:11
